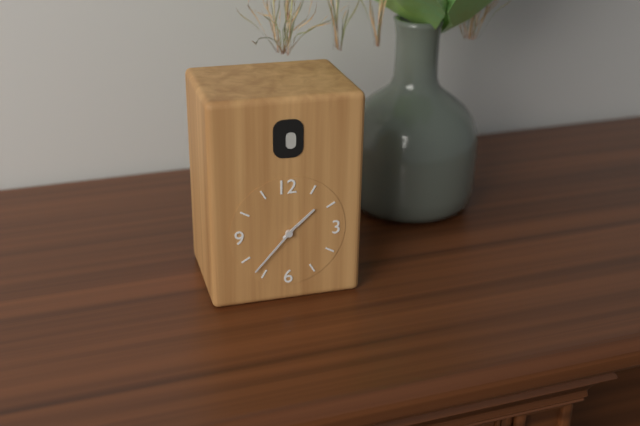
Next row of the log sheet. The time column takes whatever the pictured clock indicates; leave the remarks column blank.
1:37
